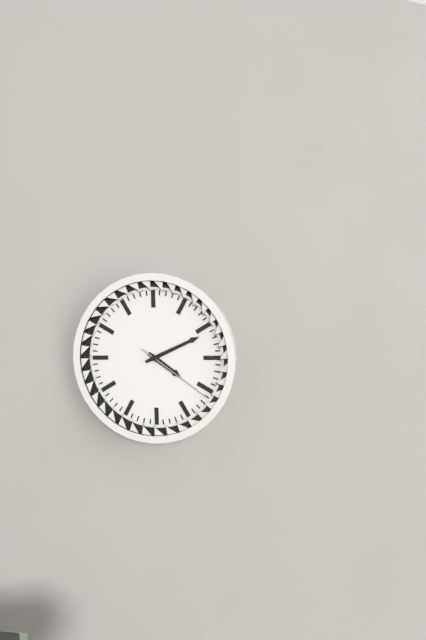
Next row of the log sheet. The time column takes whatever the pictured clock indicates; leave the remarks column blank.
4:11:21
